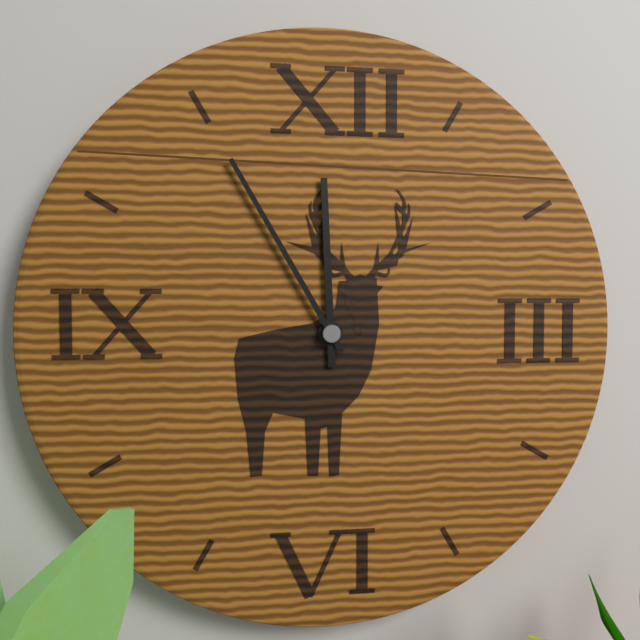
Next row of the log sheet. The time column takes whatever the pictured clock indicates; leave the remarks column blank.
11:55
